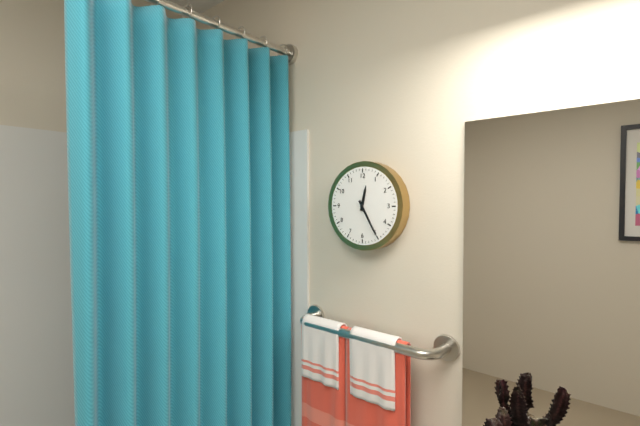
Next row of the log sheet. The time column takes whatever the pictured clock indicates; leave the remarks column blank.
12:25
